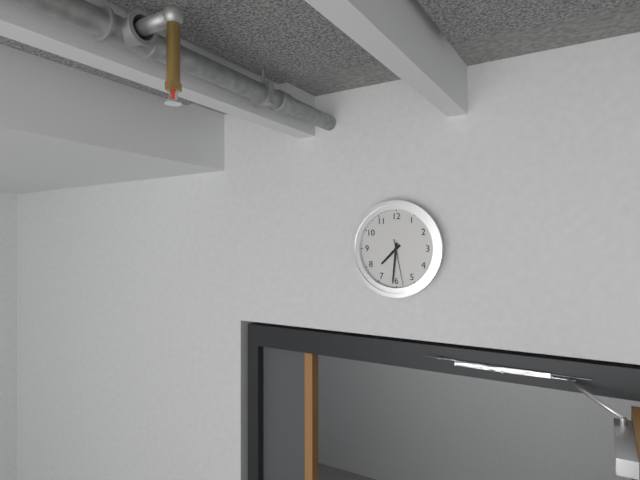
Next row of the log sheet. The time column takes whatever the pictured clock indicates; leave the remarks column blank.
7:31
